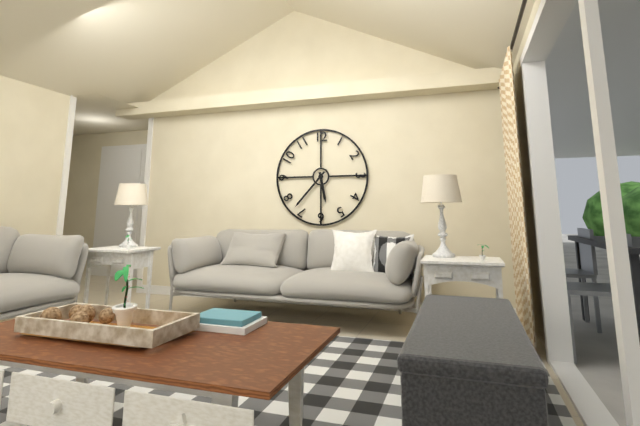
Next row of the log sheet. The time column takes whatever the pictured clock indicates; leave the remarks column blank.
5:37
